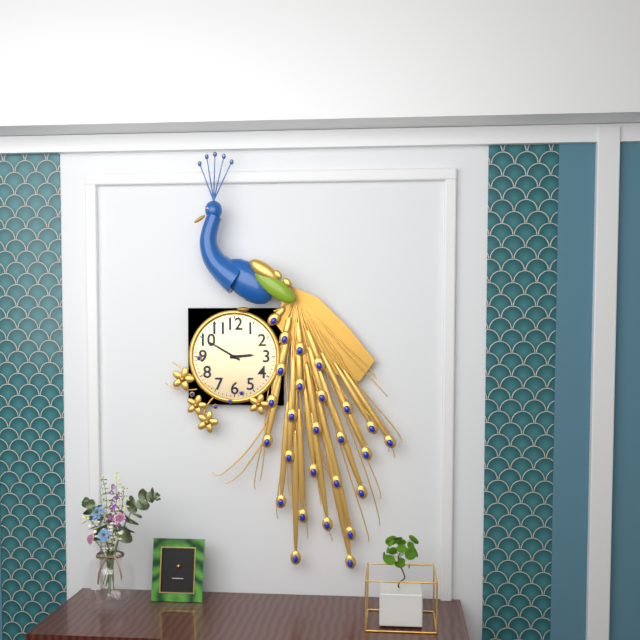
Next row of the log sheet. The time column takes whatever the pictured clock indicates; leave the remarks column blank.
2:50
